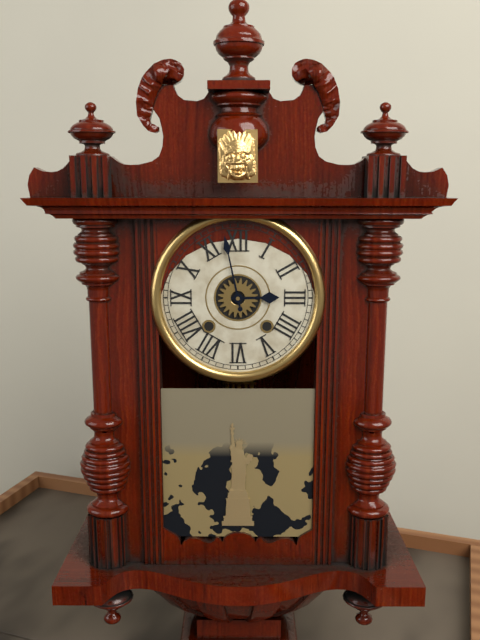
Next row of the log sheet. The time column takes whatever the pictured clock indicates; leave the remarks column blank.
2:58
